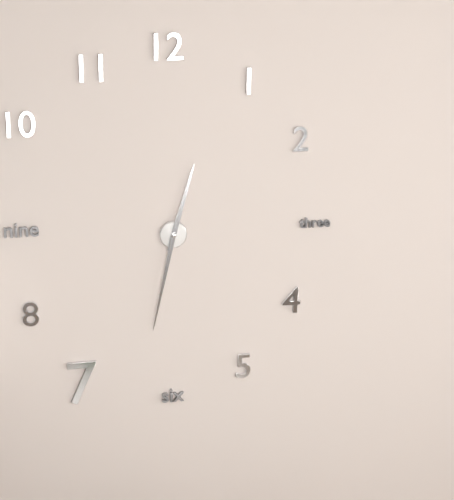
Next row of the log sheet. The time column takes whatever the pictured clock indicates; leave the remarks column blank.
12:32
